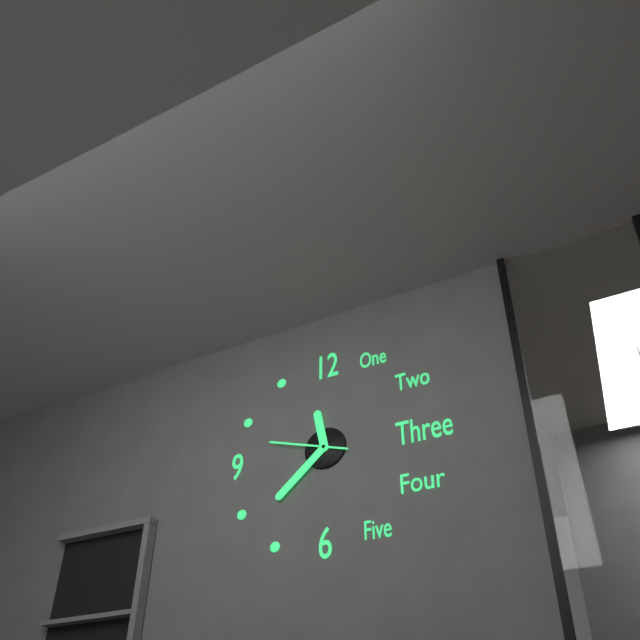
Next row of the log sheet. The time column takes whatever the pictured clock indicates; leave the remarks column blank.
11:38:48
